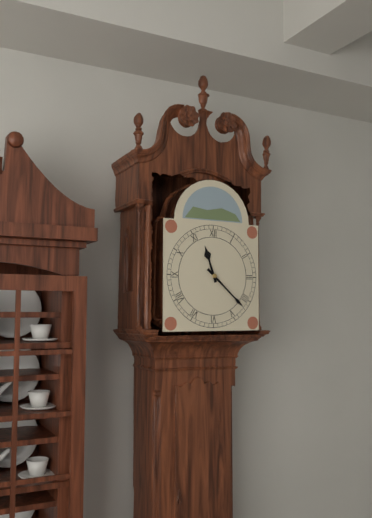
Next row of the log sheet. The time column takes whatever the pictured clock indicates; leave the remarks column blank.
11:22
